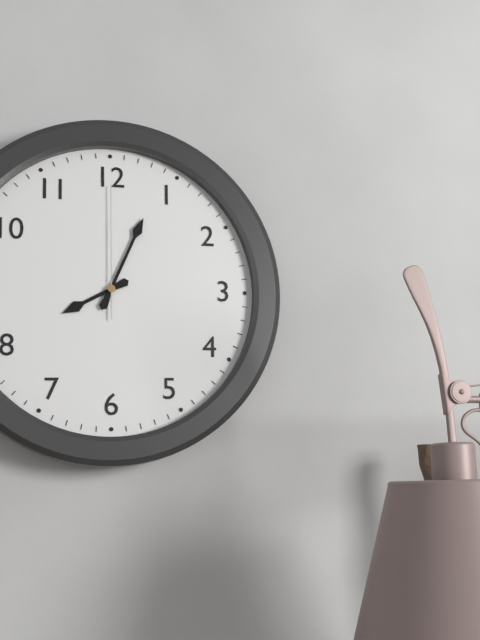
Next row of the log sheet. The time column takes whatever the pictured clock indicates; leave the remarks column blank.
8:04:00
